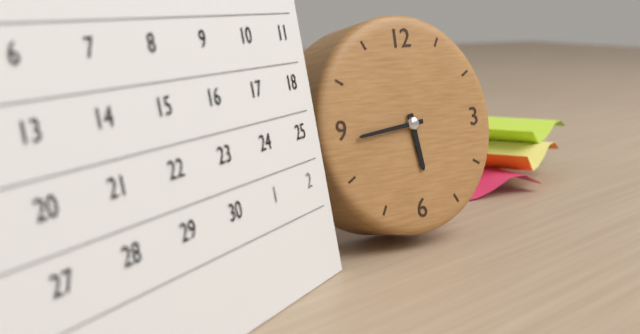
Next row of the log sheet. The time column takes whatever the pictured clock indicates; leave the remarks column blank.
5:44
